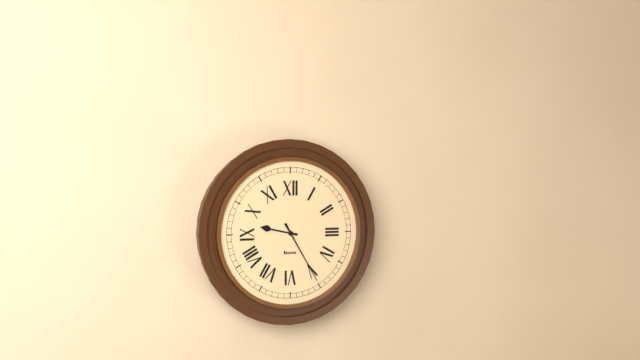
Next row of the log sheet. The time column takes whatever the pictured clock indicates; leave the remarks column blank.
9:25
